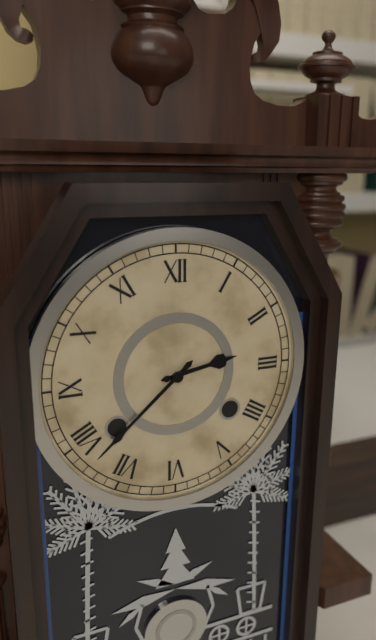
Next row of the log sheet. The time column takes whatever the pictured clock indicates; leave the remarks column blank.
2:38
